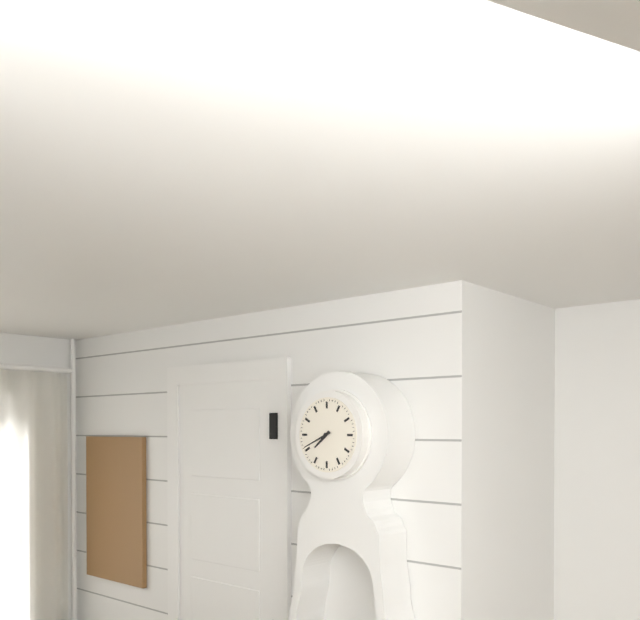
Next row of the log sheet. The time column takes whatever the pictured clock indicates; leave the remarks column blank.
7:41
